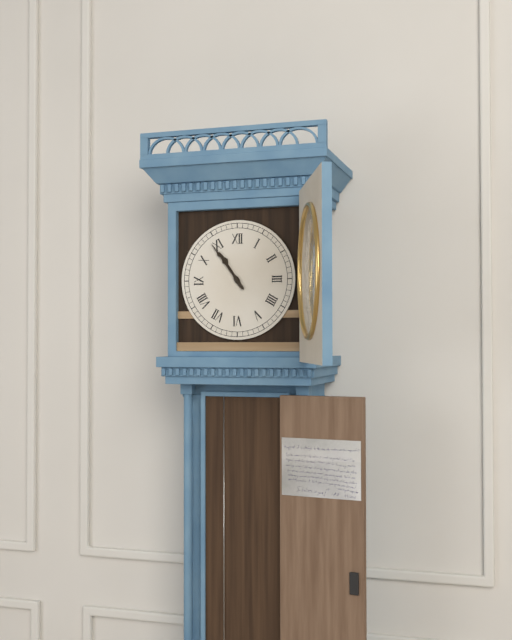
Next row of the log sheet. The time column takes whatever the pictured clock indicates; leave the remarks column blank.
10:54
